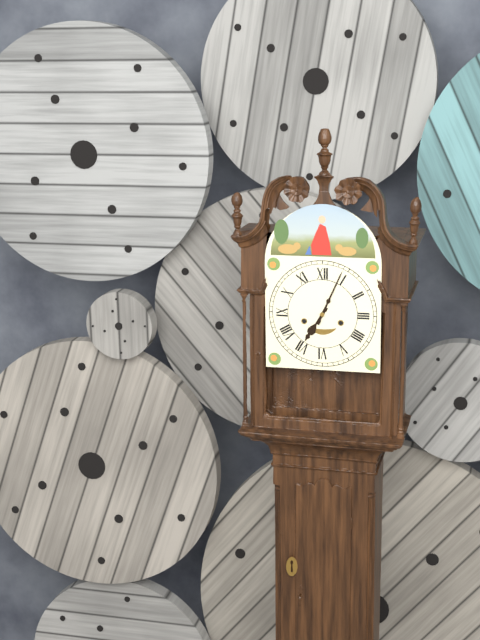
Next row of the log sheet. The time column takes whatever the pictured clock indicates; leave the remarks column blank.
7:04
